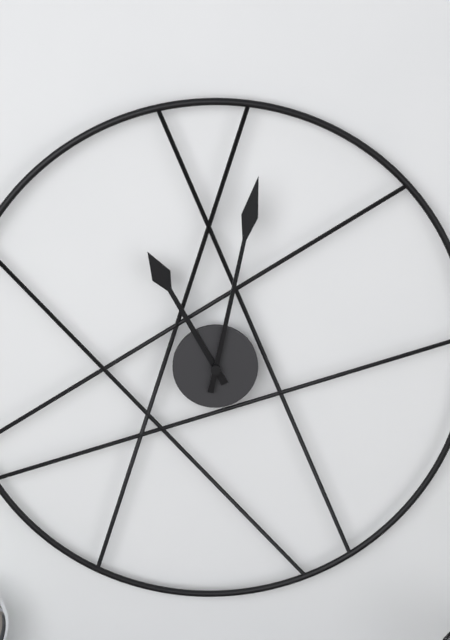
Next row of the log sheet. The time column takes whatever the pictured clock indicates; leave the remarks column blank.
11:02
